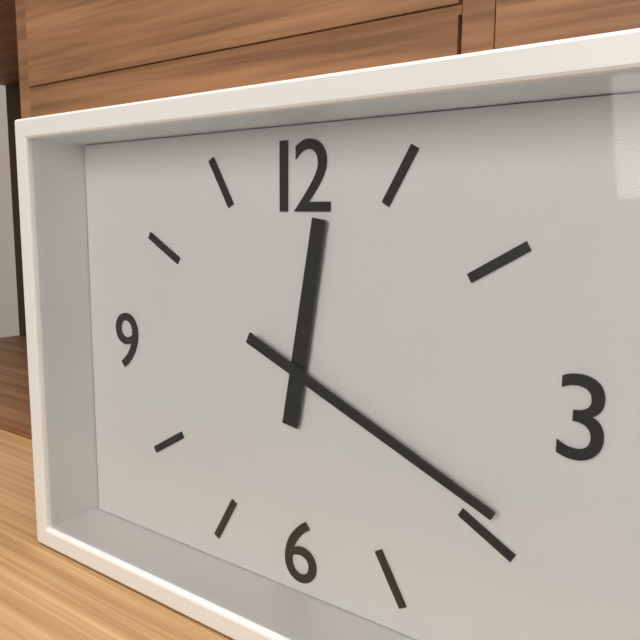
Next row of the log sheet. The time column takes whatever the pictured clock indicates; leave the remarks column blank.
12:19
